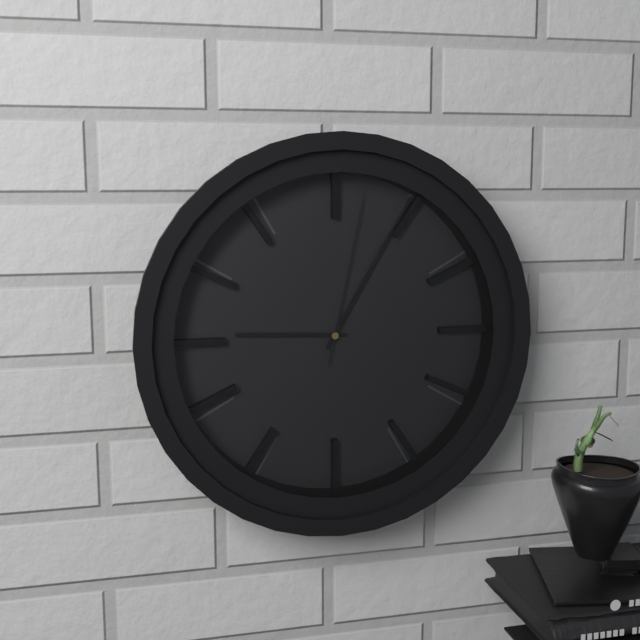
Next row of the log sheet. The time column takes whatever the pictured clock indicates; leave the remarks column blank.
9:05:02
